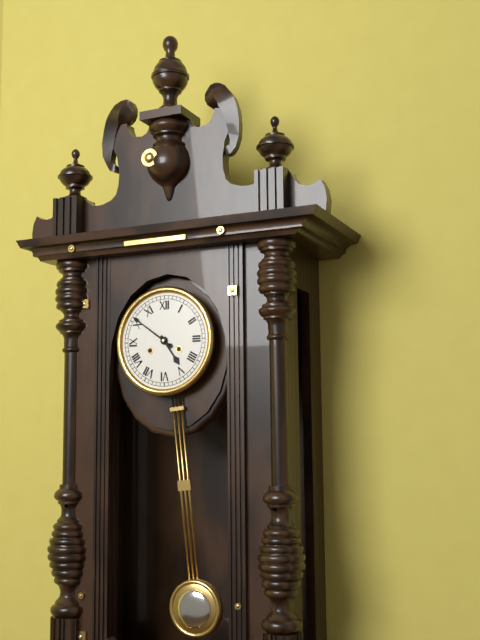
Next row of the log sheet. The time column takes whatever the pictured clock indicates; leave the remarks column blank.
4:51
